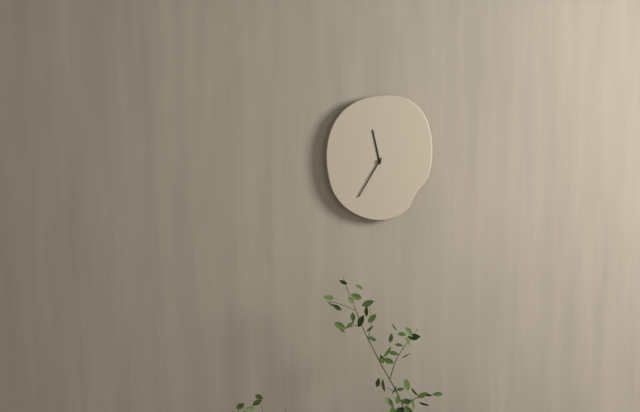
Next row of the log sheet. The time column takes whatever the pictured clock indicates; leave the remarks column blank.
11:35
